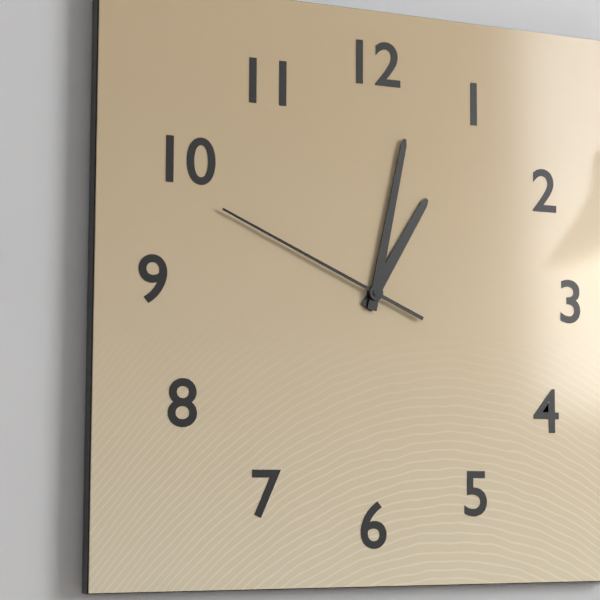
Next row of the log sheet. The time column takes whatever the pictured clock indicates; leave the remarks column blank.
1:02:49
